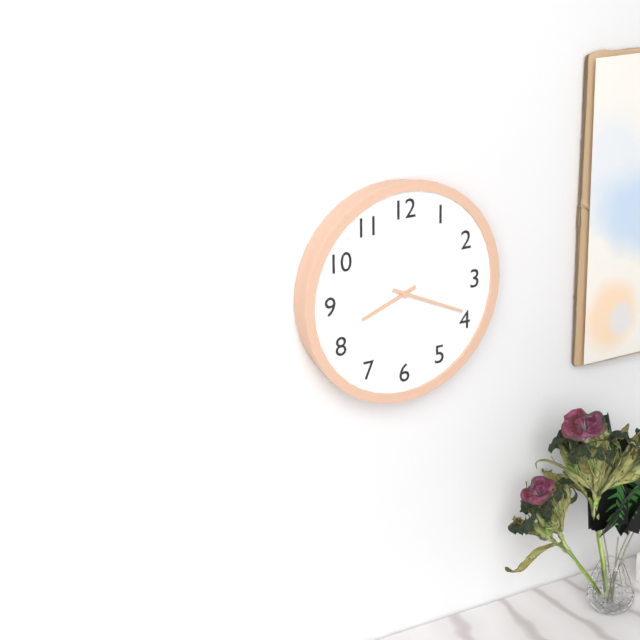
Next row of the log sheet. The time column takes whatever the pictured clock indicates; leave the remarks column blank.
8:19
